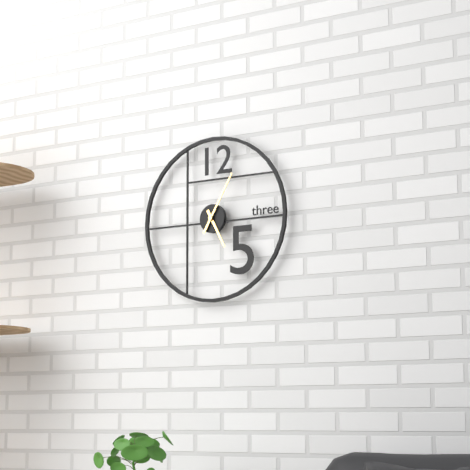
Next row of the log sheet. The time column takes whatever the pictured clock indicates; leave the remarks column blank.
5:05
